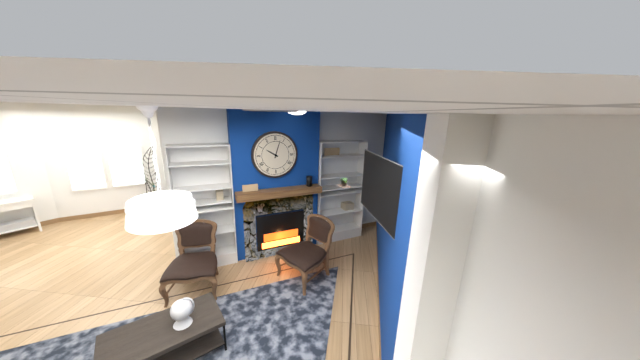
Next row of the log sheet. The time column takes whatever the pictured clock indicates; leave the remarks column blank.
10:03
